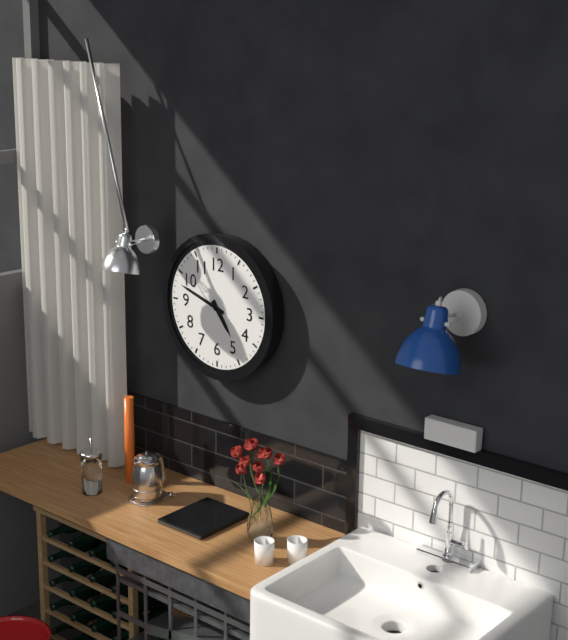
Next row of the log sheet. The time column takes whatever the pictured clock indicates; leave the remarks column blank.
4:48
